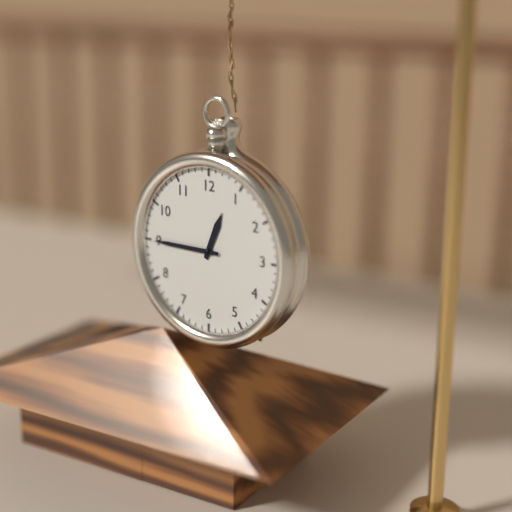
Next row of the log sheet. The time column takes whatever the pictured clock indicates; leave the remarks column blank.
12:45
